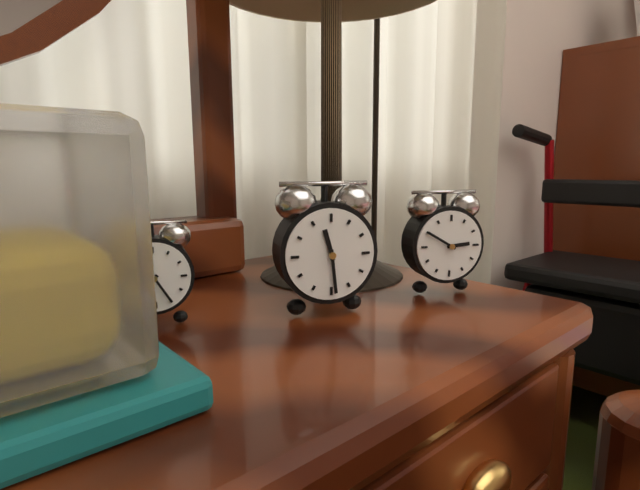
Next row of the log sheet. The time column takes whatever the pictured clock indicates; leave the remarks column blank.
11:29
